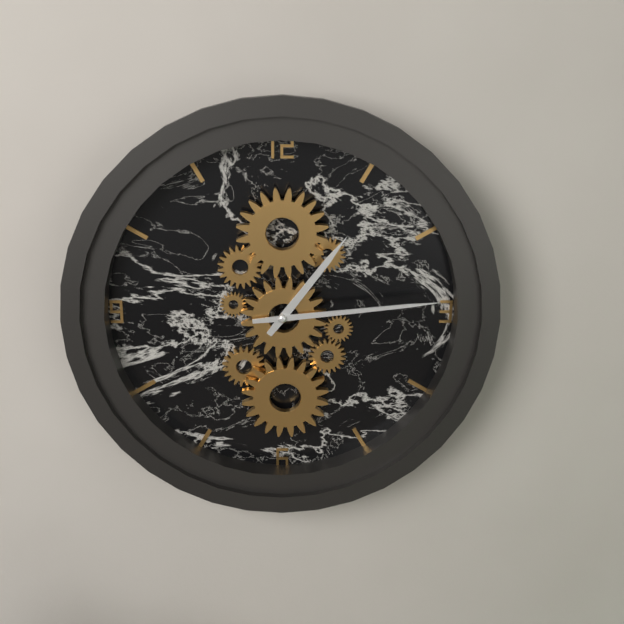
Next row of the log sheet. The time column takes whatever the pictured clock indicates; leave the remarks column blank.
1:14
